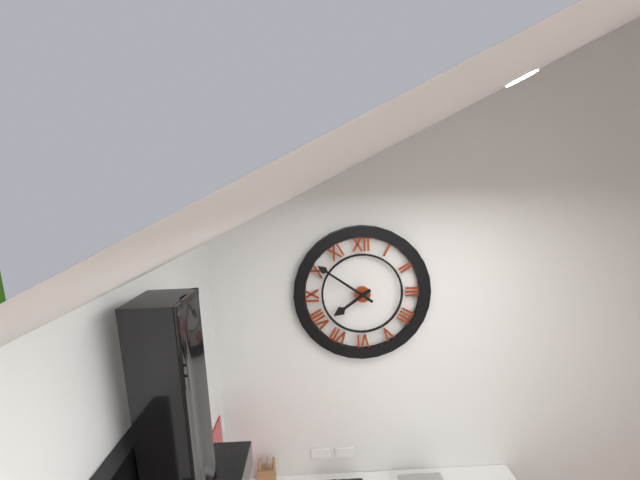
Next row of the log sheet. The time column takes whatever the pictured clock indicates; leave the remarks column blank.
7:51
